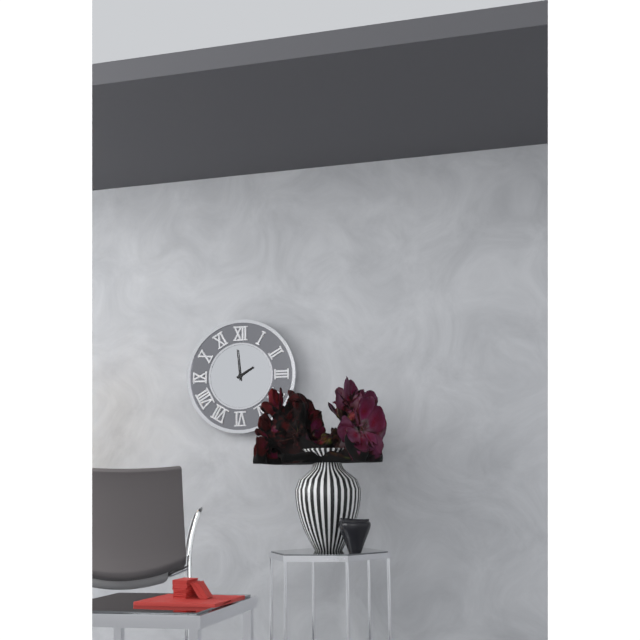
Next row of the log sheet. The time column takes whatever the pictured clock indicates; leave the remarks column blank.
1:59
